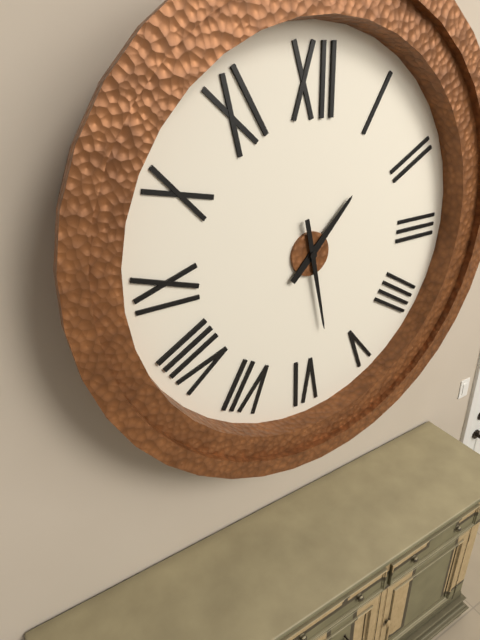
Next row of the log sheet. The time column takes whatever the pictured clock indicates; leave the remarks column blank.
1:28
